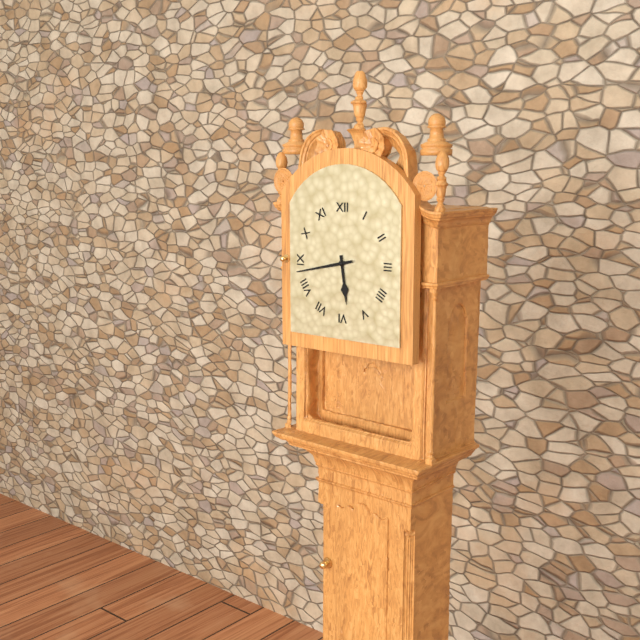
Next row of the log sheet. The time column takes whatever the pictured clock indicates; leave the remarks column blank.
5:43
